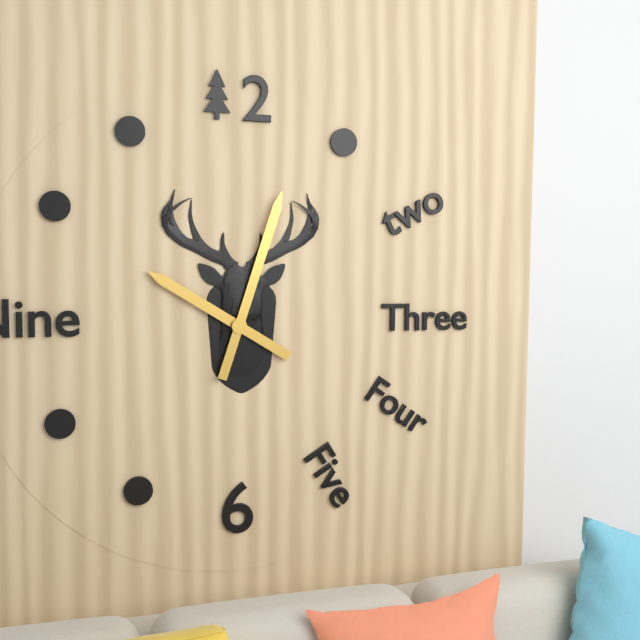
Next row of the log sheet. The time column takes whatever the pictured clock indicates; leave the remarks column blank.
10:03
